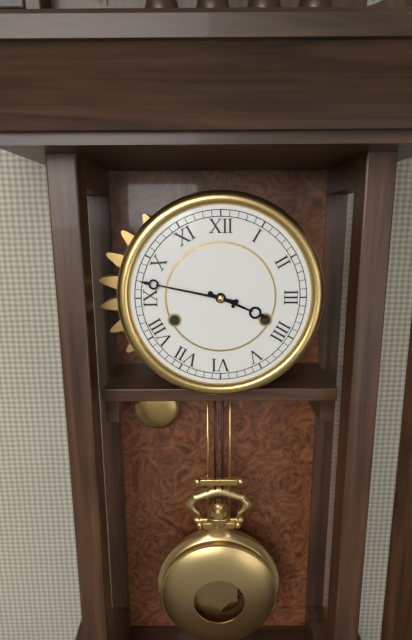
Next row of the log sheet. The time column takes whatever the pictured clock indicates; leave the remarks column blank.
3:47
